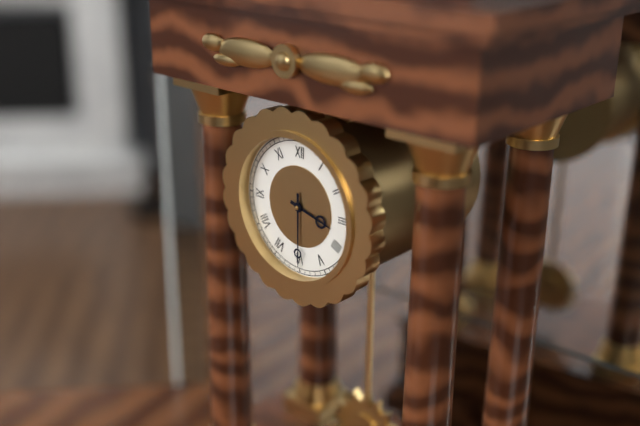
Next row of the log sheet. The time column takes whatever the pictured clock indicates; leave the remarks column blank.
3:30
